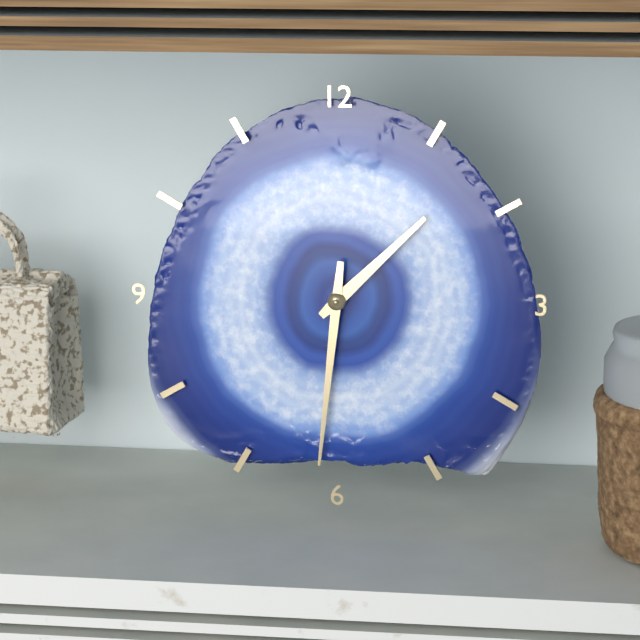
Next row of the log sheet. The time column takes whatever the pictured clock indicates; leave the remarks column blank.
1:31
